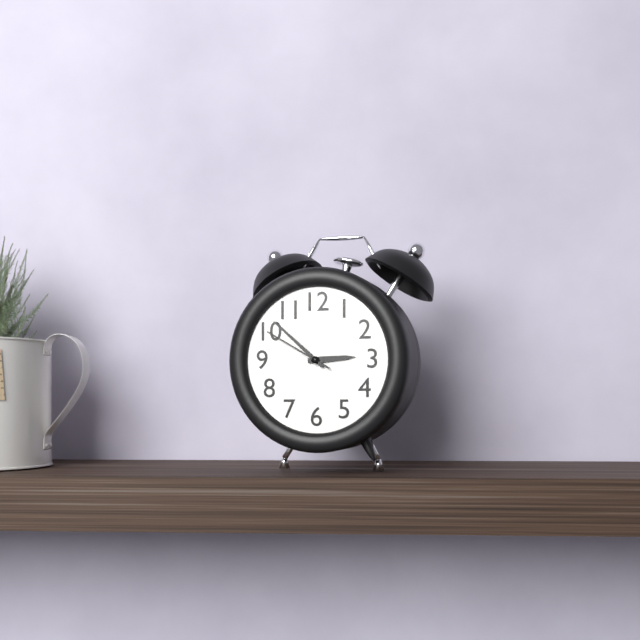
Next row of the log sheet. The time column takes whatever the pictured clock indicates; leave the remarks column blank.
2:52:50
